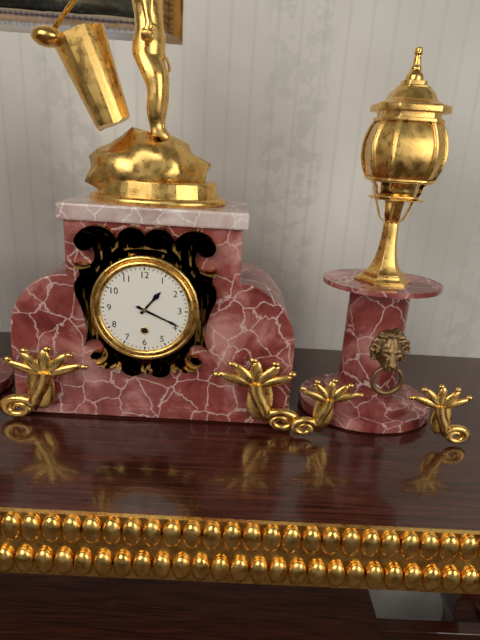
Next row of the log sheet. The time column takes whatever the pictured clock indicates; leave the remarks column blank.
1:19
